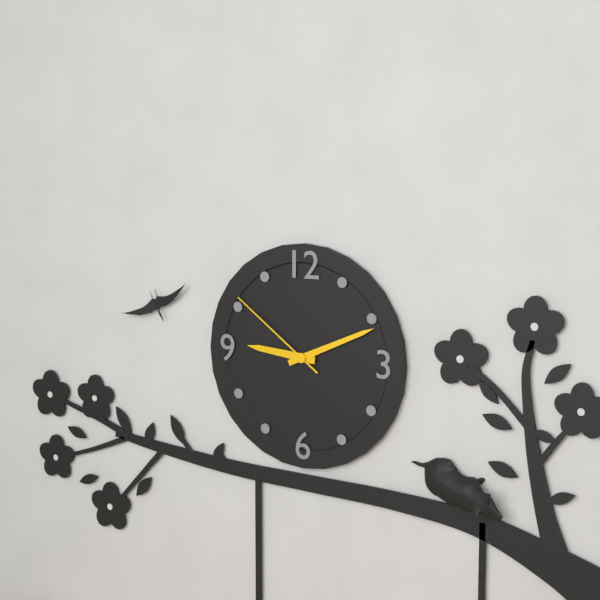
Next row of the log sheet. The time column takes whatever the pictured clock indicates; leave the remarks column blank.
9:11:51
